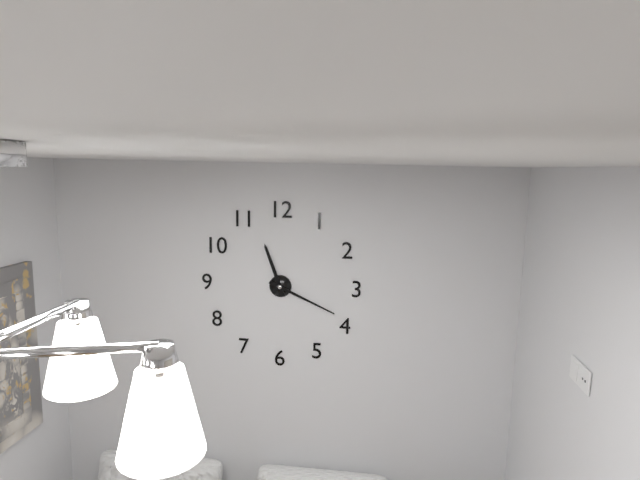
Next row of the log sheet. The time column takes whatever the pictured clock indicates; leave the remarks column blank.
11:19
